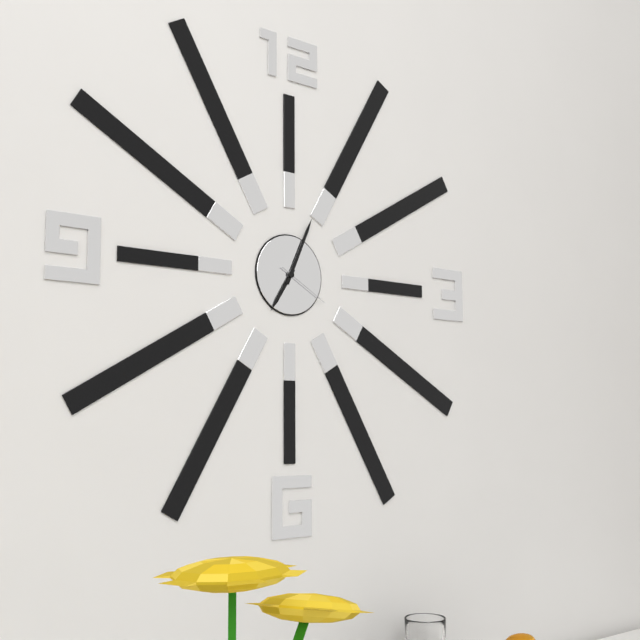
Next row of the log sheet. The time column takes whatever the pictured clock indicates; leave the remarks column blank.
7:04:20
